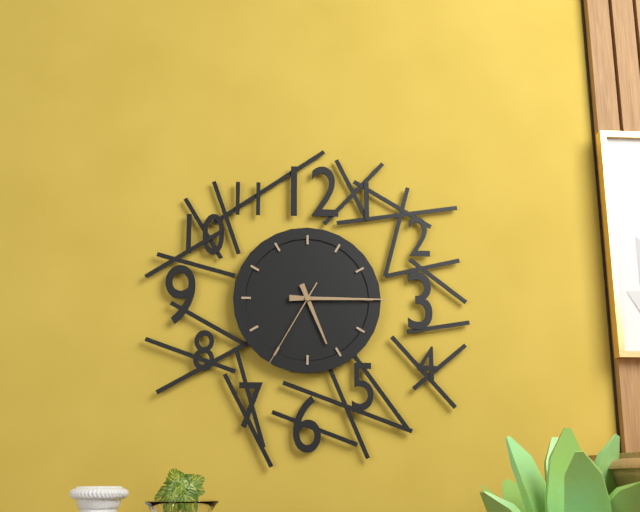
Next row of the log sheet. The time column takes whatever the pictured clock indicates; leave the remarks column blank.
5:15:35
